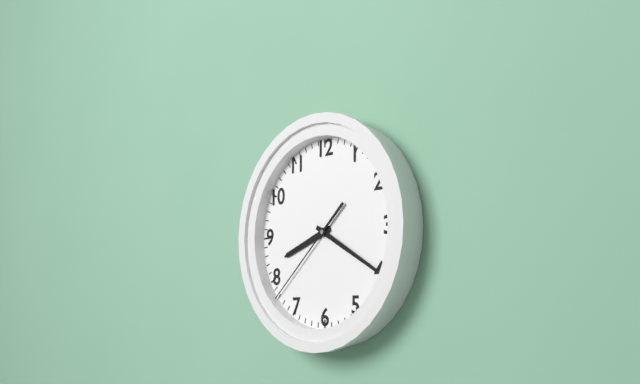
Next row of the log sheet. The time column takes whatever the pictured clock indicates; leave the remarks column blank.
8:20:38
